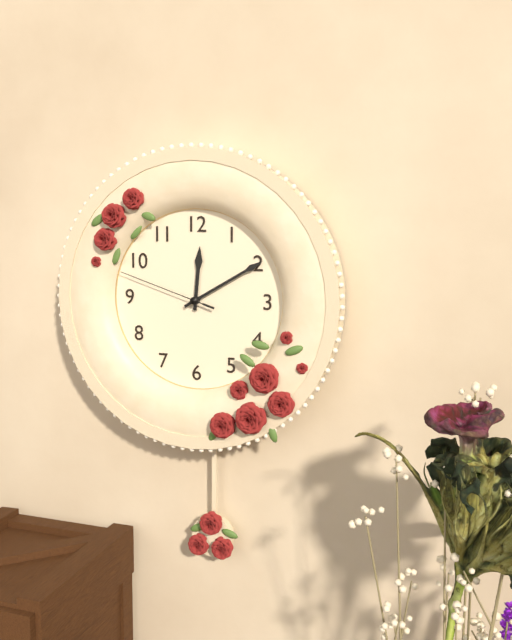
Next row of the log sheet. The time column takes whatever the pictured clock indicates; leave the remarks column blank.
12:10:48
